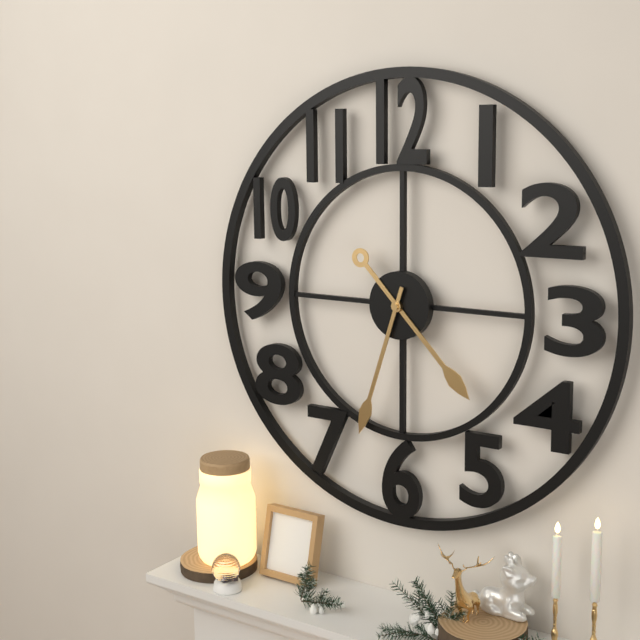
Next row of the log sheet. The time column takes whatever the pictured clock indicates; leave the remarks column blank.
4:33
